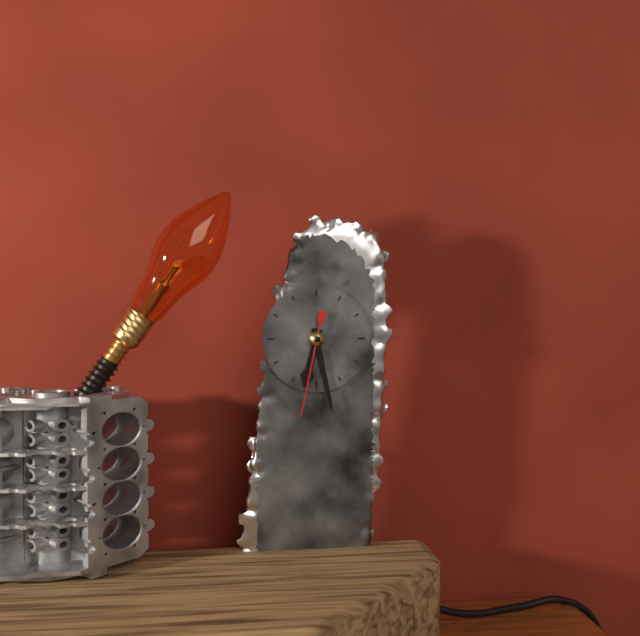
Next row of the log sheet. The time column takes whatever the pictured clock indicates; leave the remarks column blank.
6:28:32
